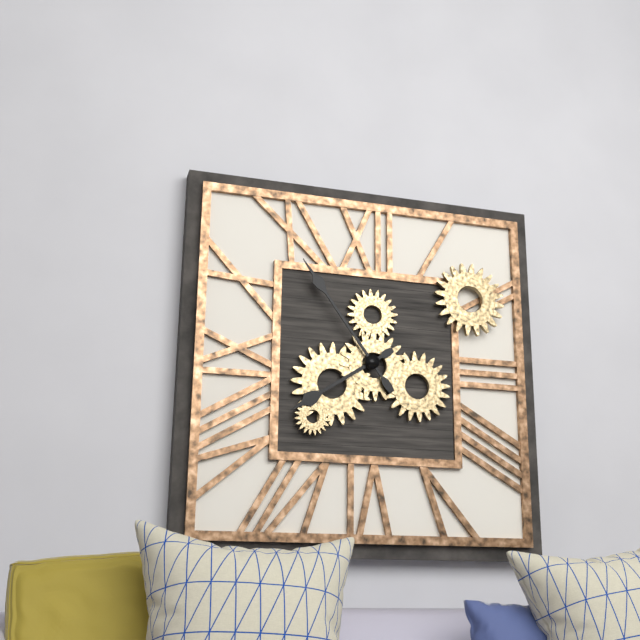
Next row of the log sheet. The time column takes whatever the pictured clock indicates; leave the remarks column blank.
7:54
